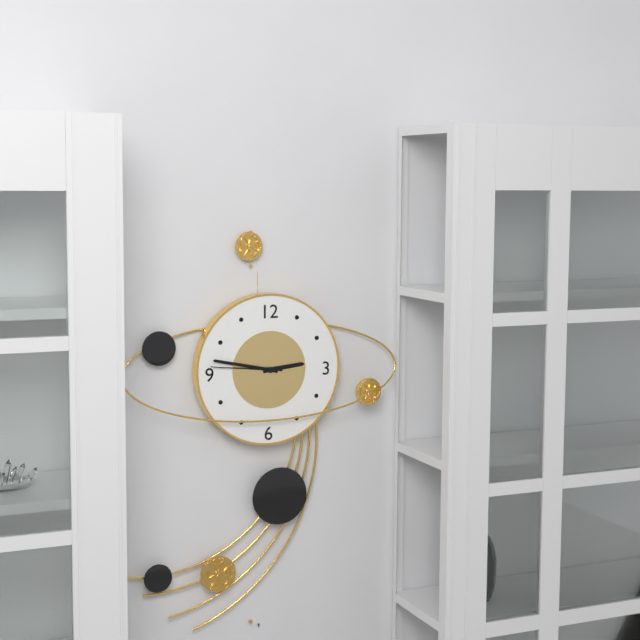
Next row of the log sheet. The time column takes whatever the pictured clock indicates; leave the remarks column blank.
2:47:46
